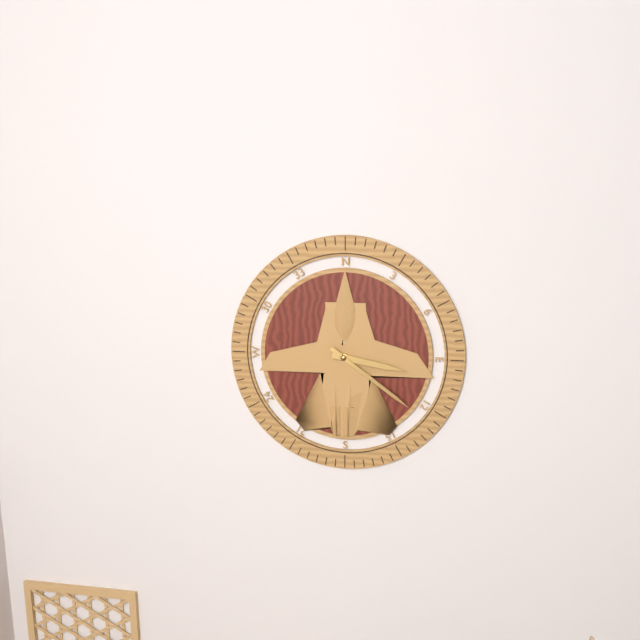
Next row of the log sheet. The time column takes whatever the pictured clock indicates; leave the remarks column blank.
3:21
